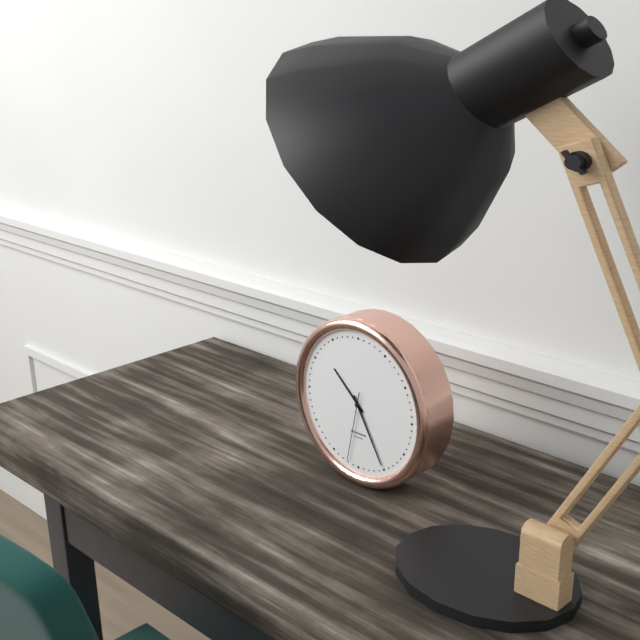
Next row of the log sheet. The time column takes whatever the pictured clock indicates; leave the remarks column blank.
10:25:32
